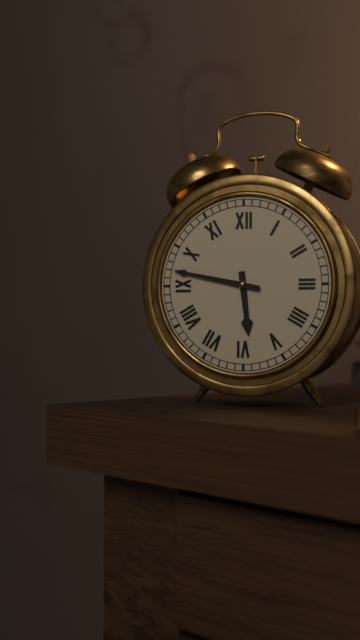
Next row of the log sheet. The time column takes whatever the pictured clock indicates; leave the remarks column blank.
5:47
